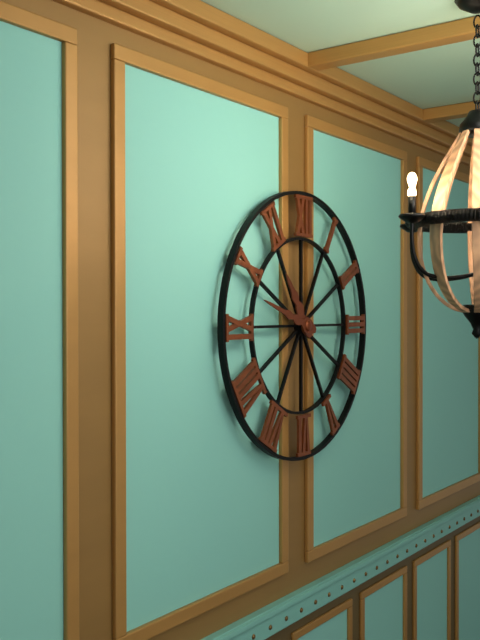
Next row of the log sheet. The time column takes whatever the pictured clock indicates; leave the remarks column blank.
10:48
